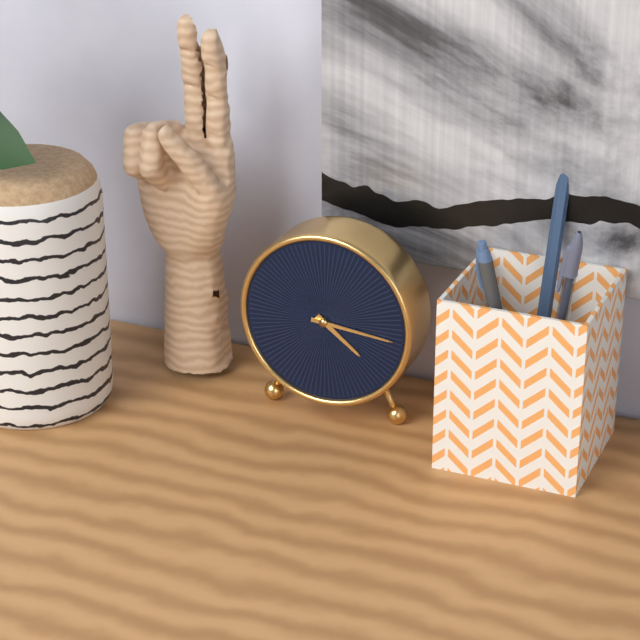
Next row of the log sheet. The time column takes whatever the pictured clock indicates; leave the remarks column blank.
4:16
